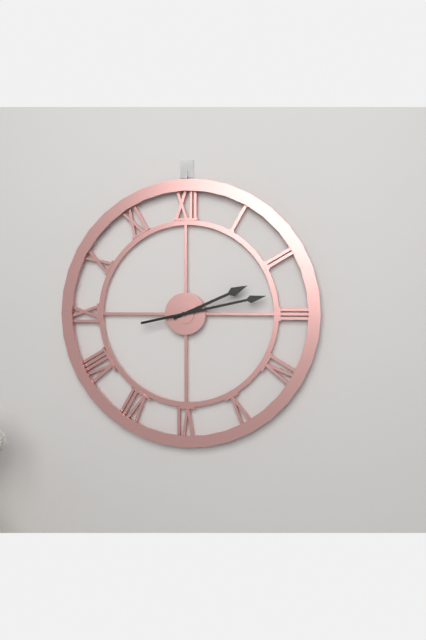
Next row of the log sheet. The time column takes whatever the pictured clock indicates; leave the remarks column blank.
2:13
